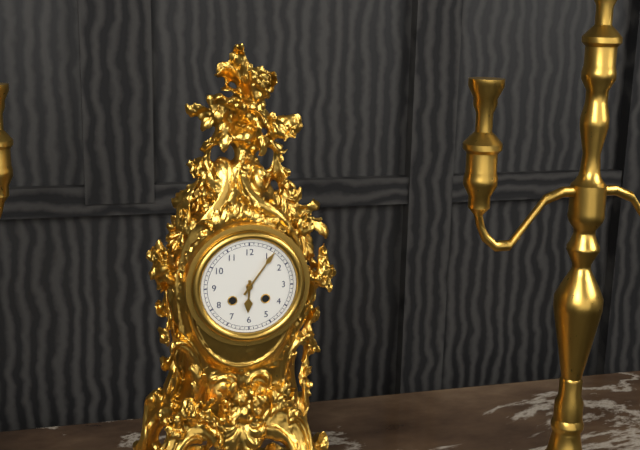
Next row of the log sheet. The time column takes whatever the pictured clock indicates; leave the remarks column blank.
6:06
